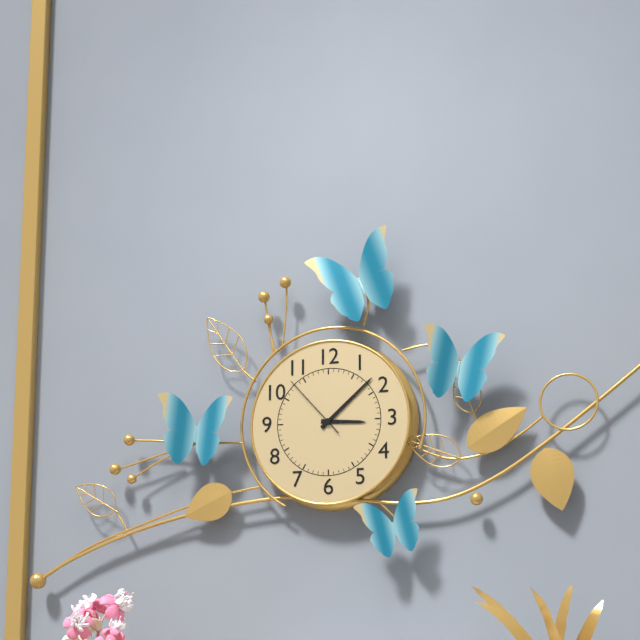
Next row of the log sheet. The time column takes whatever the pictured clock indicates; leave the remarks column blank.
3:08:53
